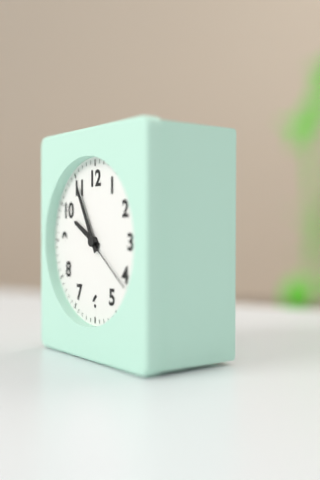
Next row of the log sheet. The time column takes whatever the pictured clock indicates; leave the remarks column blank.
9:55:21
